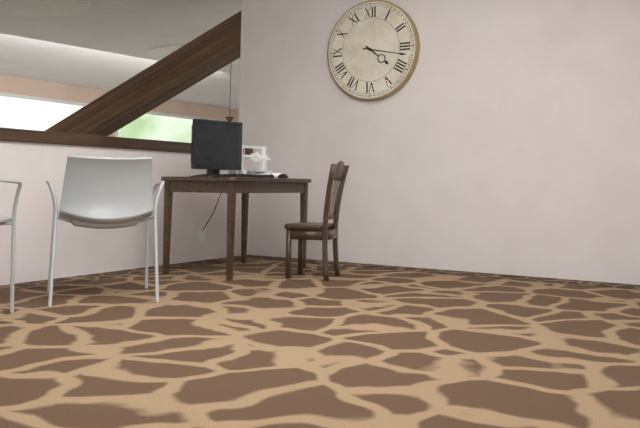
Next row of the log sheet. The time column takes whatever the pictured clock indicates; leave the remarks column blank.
4:17
